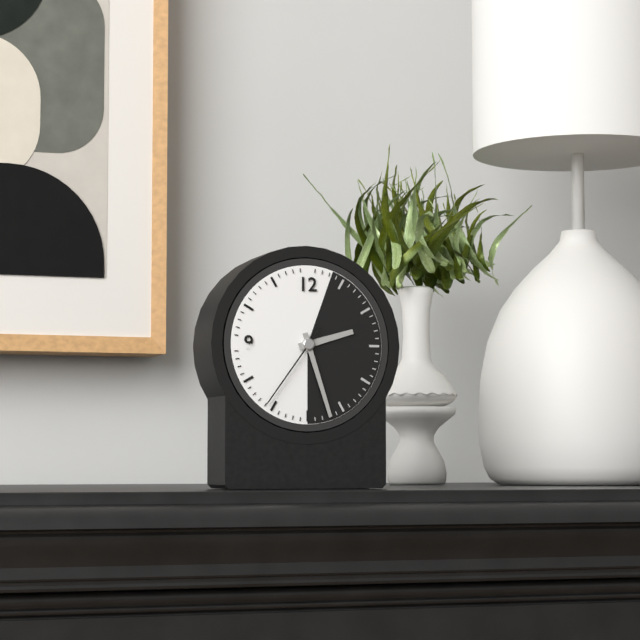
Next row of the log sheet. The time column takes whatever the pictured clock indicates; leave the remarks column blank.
2:27:36
